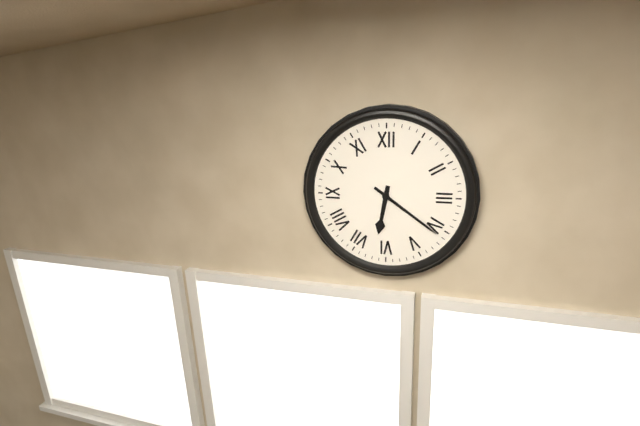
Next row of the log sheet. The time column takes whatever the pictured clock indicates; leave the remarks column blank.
6:21
